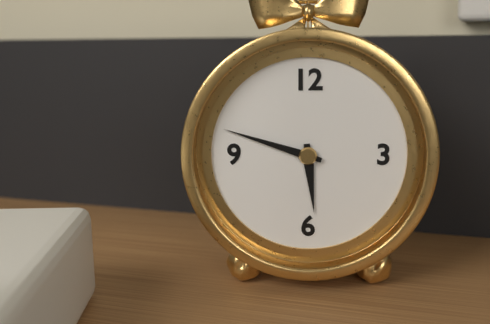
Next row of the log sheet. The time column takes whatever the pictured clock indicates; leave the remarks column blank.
5:48
